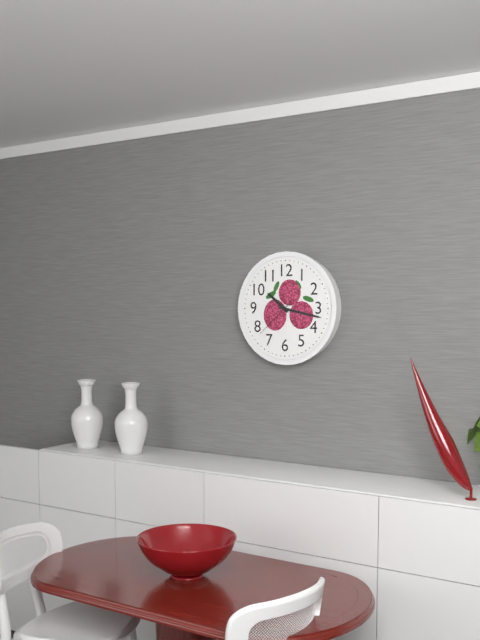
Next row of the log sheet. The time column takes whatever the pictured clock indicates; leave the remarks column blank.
10:17
